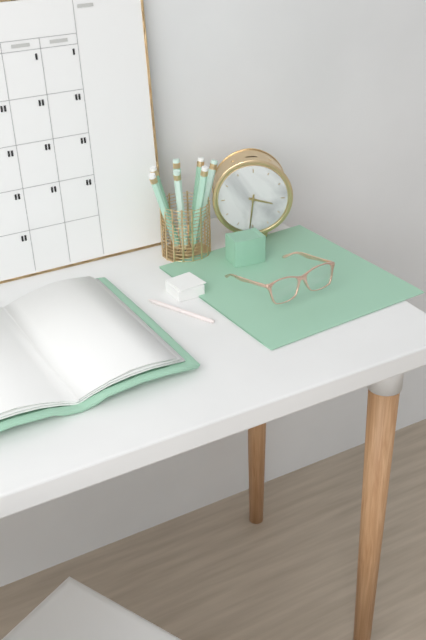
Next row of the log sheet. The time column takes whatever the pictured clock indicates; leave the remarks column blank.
3:31
